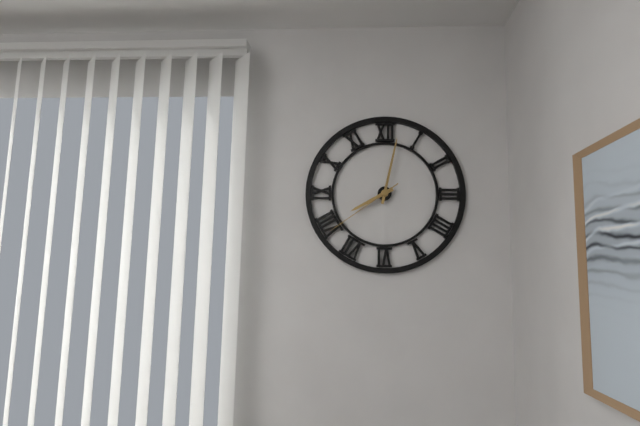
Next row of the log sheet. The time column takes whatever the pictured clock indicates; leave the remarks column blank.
8:02:39
